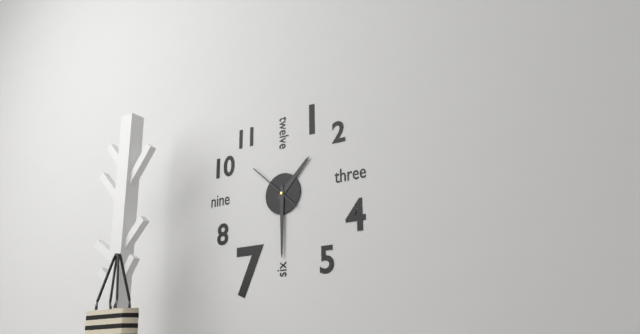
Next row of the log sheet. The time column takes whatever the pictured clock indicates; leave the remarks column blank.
1:30
